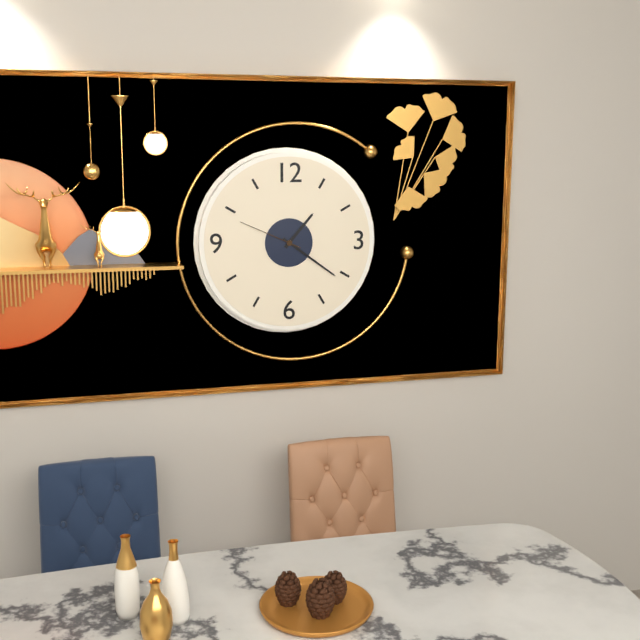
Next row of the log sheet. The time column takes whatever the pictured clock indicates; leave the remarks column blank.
1:21:49
